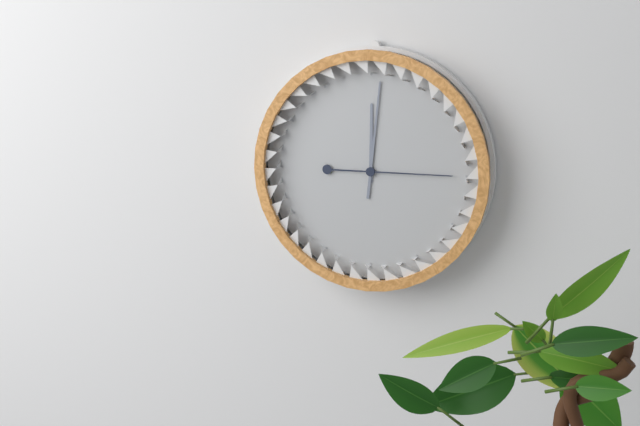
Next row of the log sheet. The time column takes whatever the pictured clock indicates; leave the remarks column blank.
12:01:15
